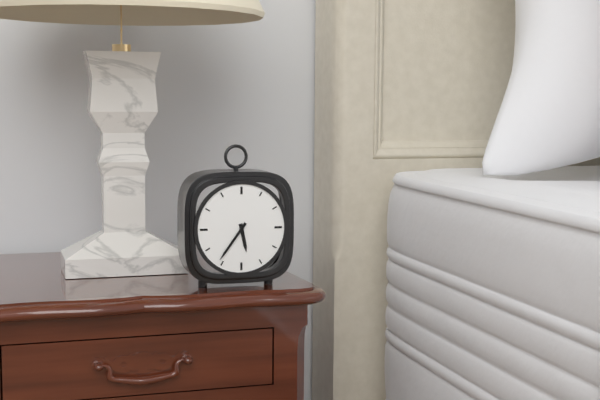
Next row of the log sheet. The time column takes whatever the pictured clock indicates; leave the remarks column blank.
5:36
